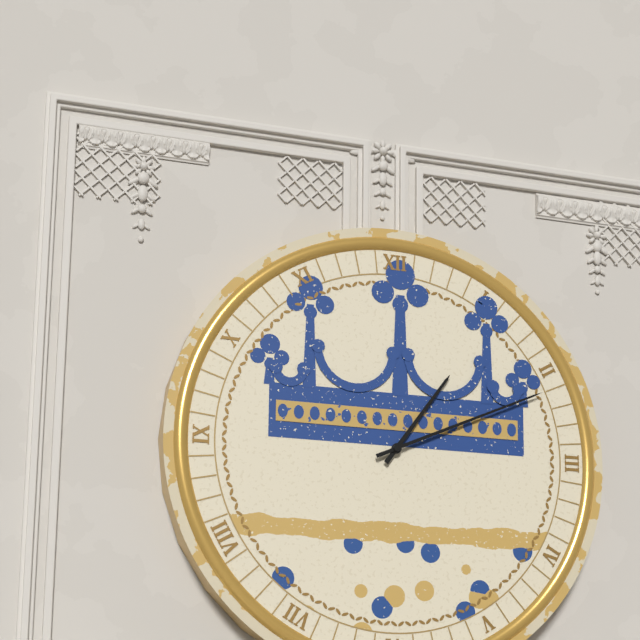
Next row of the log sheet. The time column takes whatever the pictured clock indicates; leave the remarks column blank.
1:11
